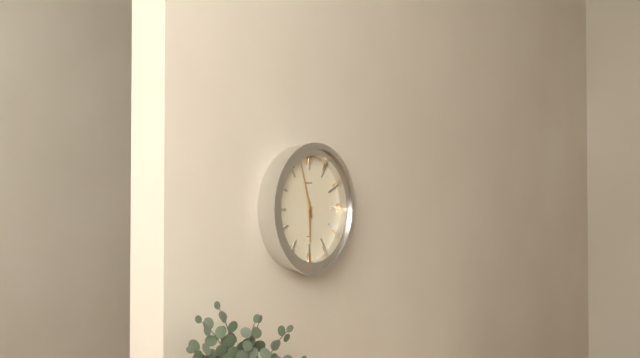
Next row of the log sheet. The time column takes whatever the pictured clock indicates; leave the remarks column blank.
5:57
